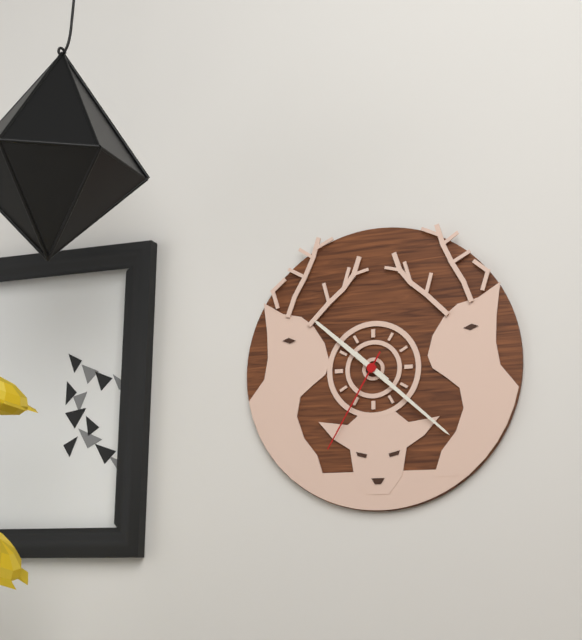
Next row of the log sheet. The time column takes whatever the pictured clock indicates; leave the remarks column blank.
10:22:35
